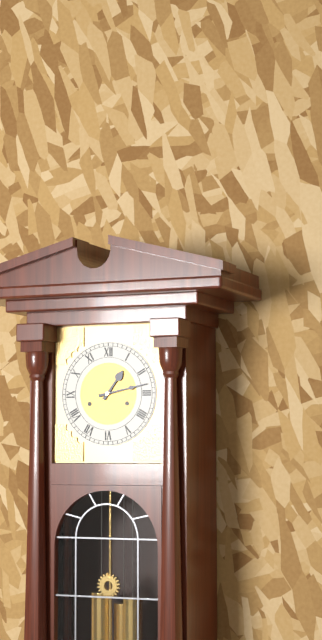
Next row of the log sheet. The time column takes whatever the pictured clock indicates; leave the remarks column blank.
1:13
